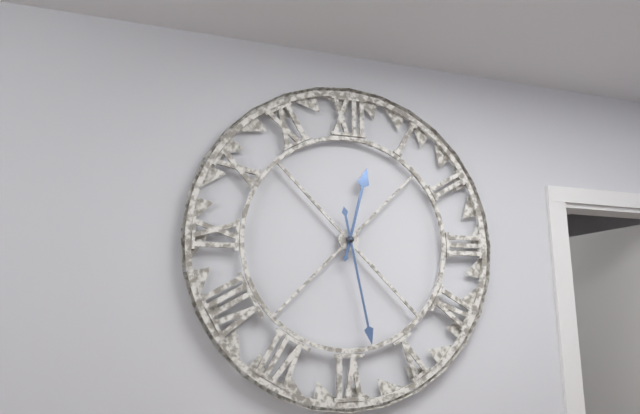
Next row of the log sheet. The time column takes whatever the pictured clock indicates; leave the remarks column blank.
12:28
